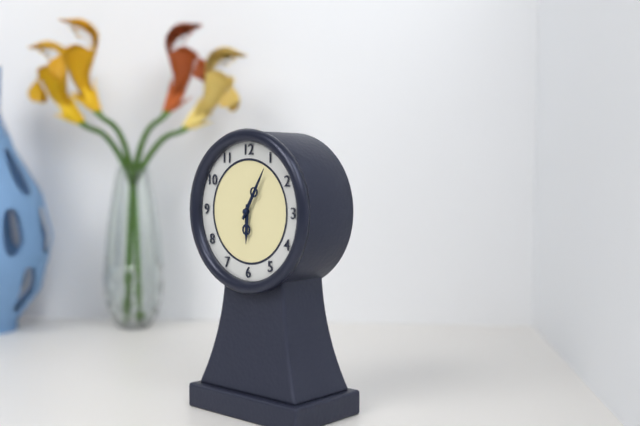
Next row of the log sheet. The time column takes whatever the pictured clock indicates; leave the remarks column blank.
6:05
